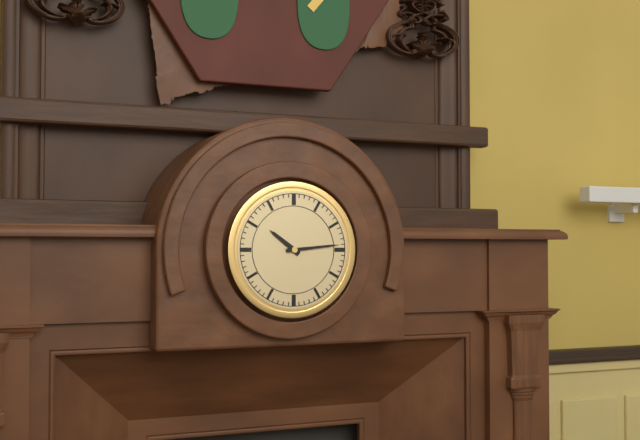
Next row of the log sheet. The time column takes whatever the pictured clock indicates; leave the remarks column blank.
10:14
